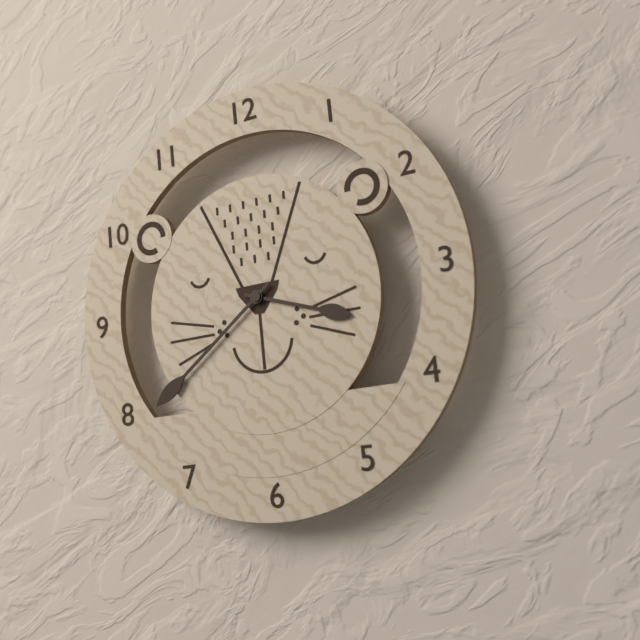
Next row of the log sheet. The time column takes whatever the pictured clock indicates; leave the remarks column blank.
3:39
